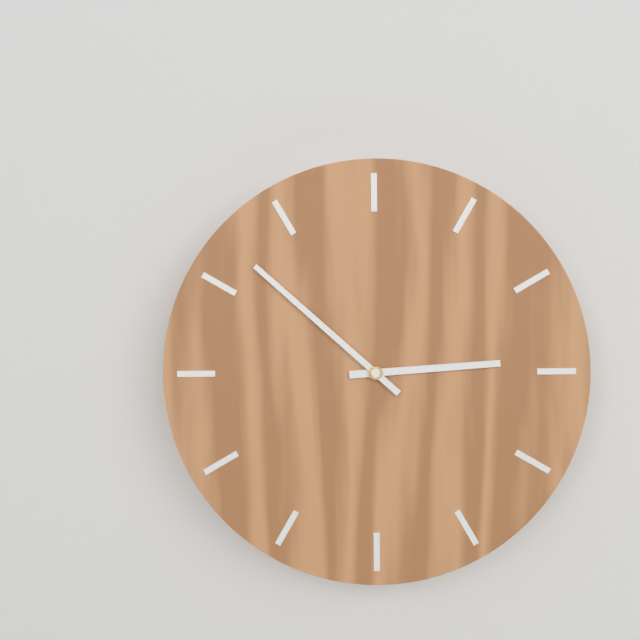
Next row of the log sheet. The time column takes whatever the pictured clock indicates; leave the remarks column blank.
2:52
